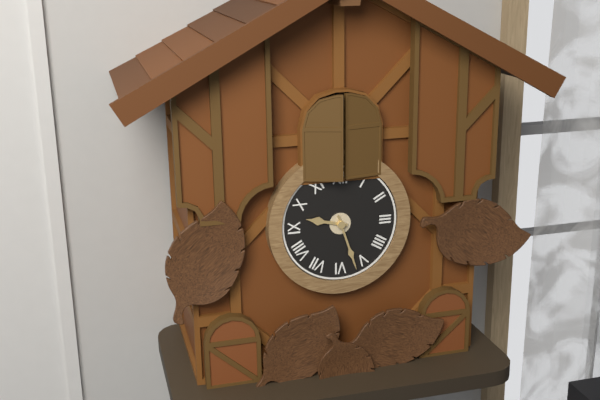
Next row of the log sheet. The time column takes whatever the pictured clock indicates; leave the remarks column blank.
9:27
